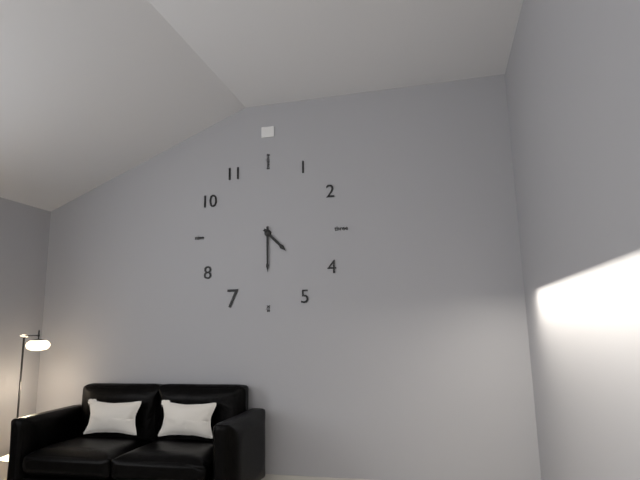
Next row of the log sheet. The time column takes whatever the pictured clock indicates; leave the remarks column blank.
4:30
